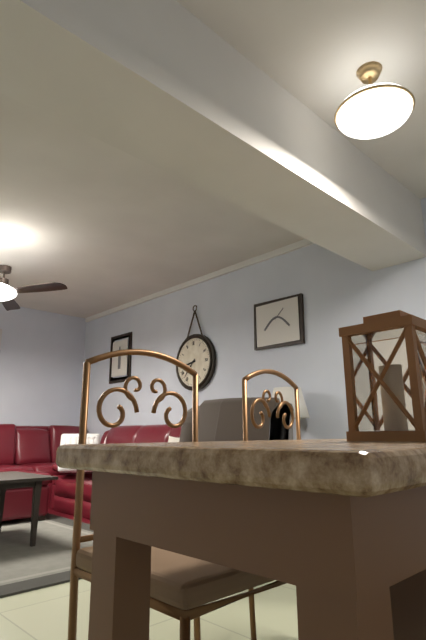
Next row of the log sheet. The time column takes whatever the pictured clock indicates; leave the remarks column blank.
8:37
